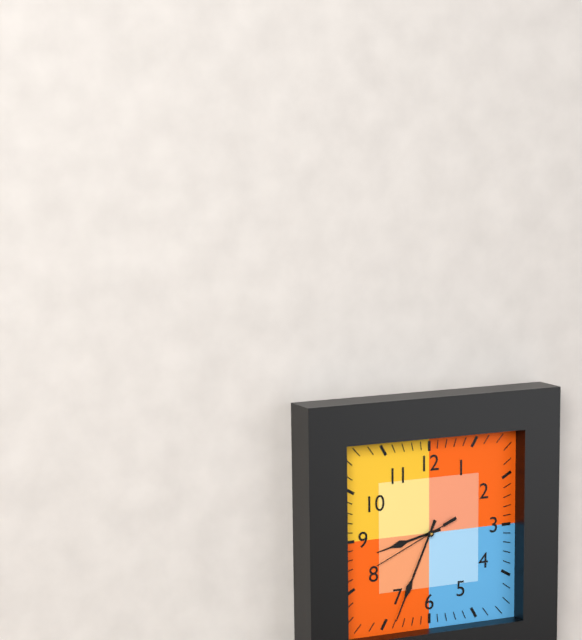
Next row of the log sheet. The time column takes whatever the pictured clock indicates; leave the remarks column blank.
8:34:41
